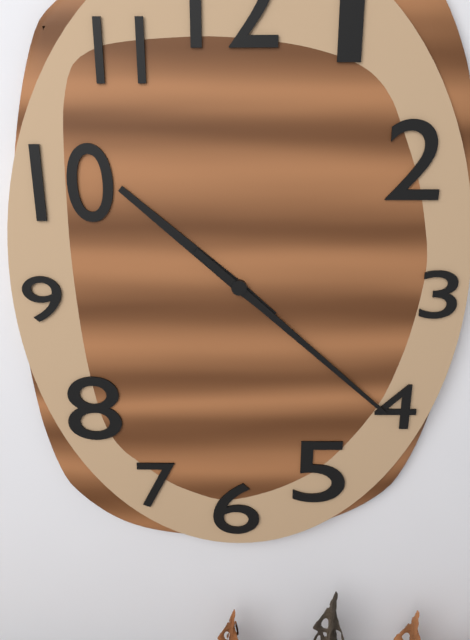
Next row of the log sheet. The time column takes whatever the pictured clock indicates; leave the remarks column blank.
10:22
